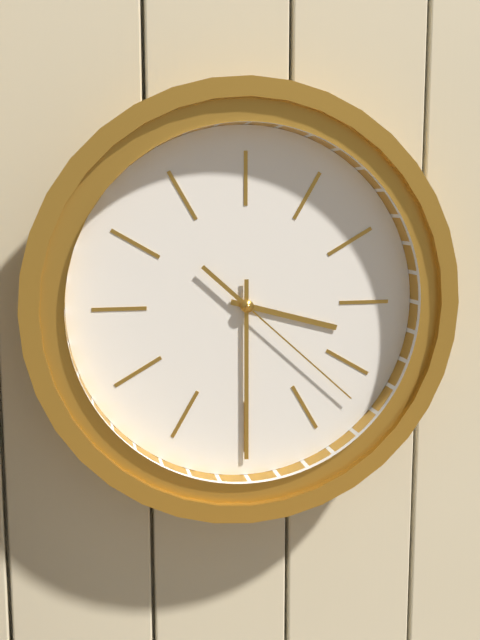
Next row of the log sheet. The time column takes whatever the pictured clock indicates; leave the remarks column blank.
3:30:22
